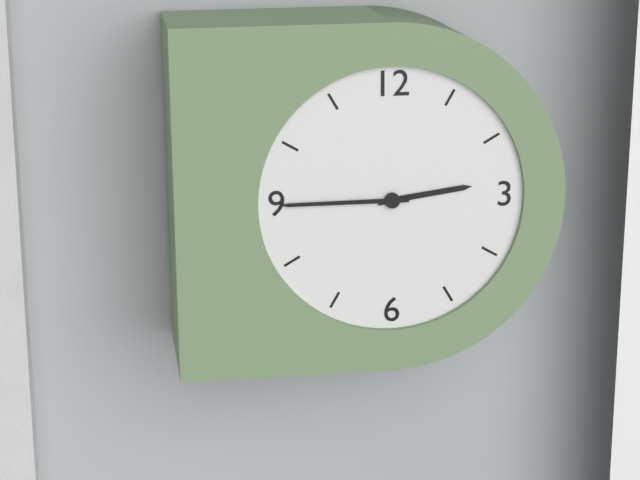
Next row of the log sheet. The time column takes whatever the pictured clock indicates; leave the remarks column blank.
2:45
